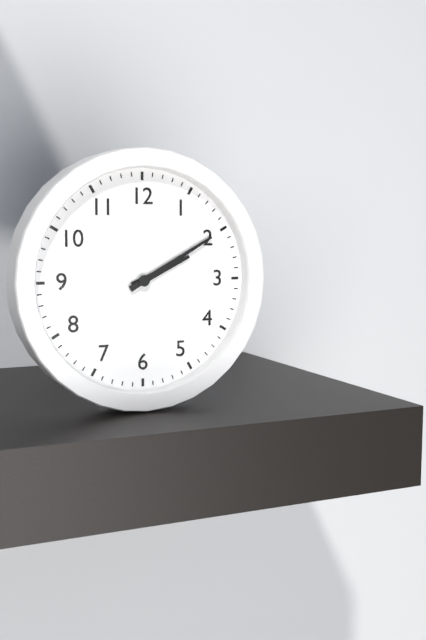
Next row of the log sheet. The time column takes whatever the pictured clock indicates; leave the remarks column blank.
2:10
